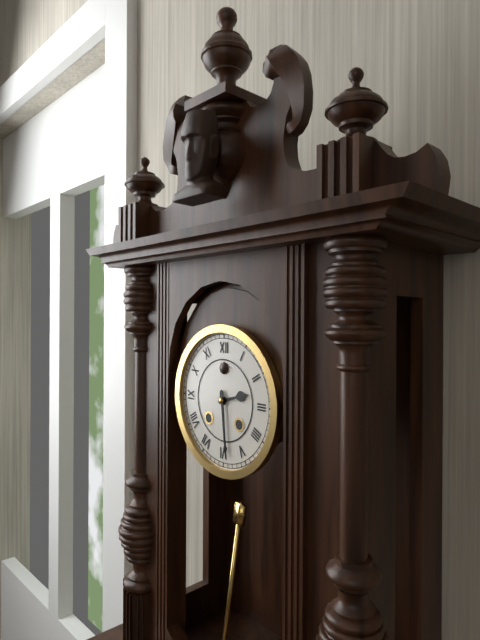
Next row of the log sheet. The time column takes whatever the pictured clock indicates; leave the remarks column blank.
2:29
